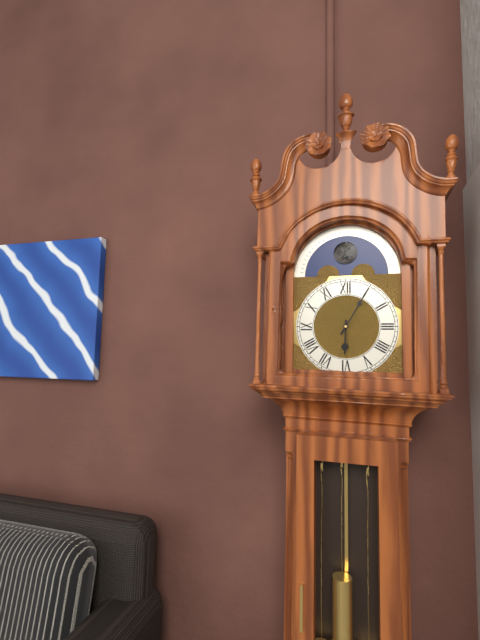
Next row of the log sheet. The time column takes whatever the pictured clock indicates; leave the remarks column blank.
6:05
